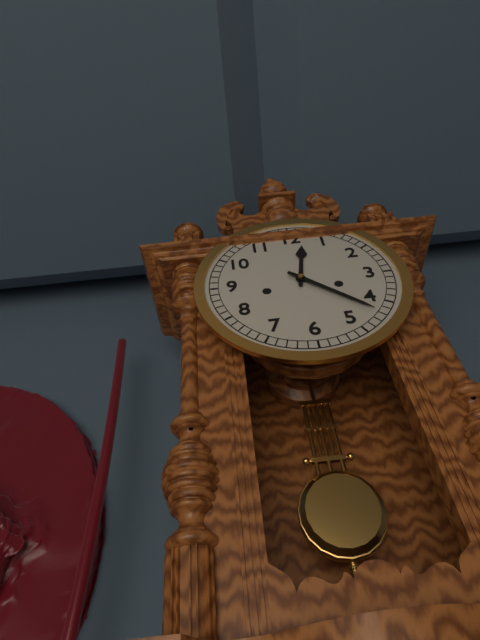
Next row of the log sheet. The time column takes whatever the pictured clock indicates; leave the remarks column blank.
12:22
